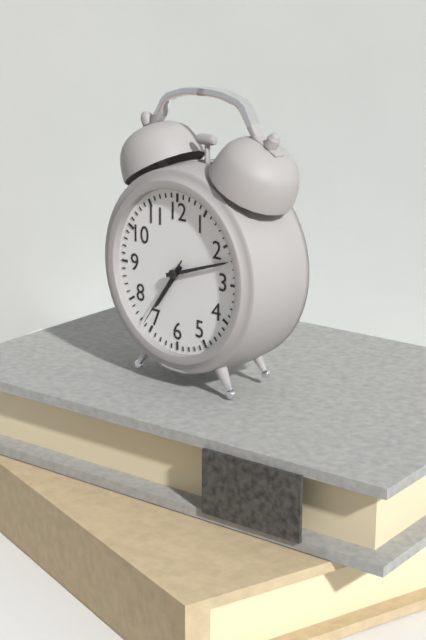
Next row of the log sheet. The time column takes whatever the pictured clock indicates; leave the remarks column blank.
7:12:36
